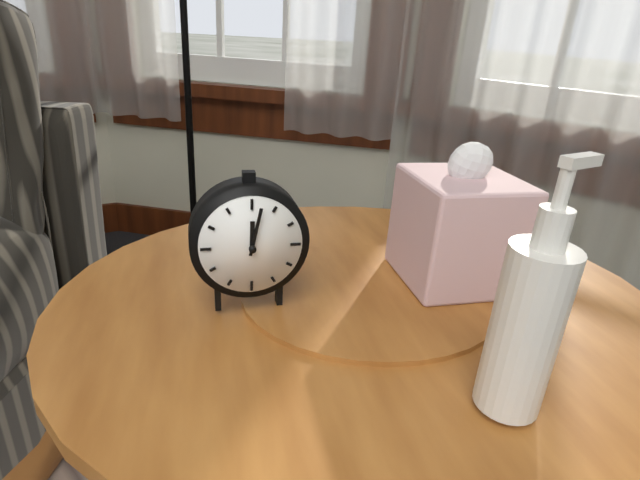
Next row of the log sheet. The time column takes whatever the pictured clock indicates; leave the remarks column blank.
12:02
